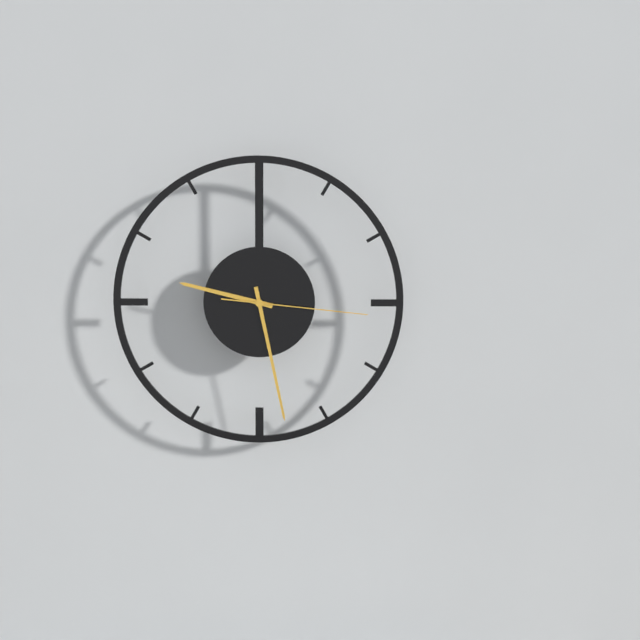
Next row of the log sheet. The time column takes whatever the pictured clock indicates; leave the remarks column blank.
9:28:16
